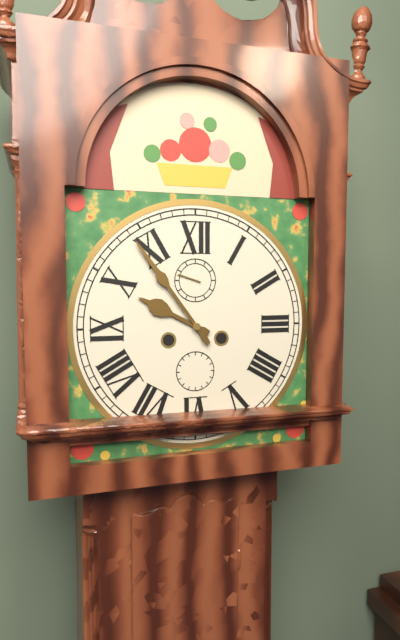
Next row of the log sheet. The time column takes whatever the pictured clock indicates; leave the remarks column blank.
9:54
